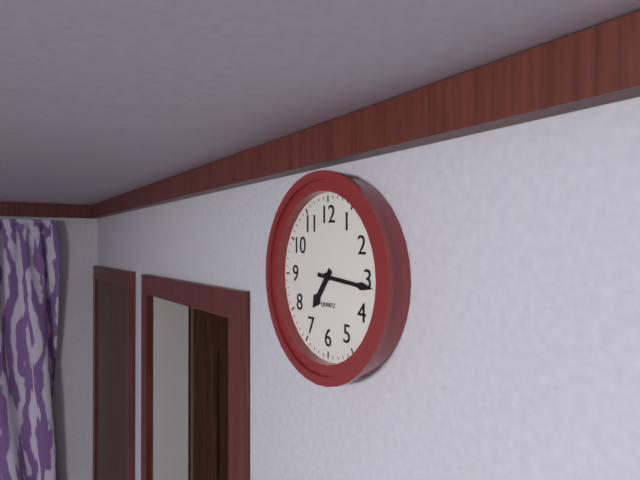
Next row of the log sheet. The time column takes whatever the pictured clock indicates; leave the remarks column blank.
7:16
